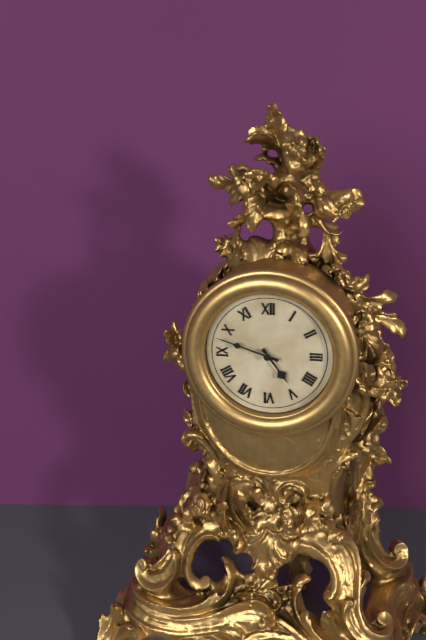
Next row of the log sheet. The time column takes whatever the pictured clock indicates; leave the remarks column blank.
4:48
